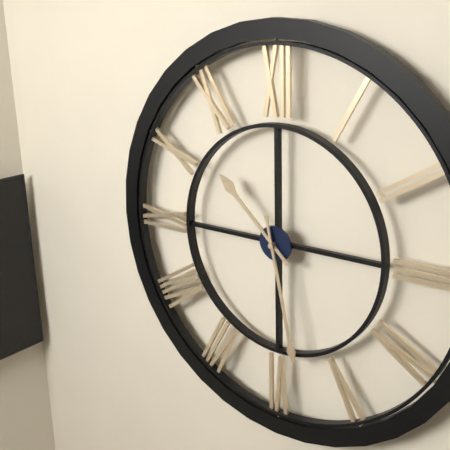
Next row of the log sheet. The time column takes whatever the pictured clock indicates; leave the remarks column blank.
10:28
